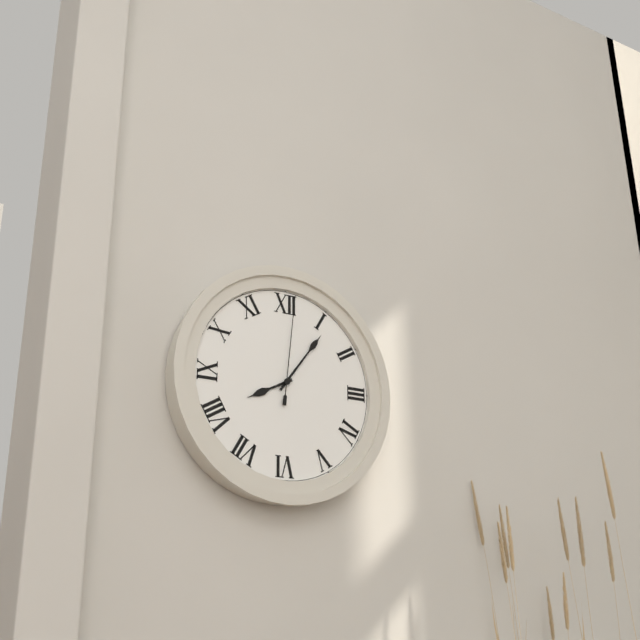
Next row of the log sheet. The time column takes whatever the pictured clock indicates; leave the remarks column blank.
8:06:01
